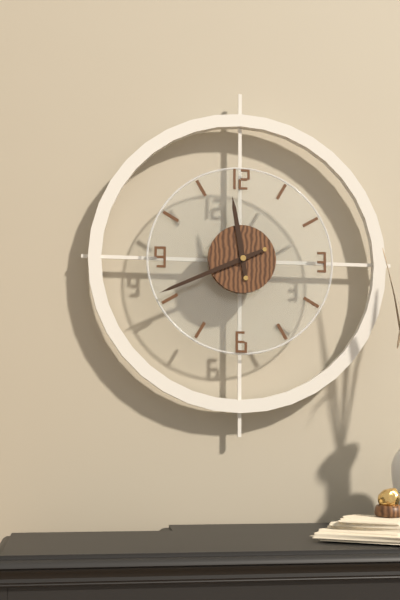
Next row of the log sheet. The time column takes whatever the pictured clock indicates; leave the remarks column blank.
11:41
